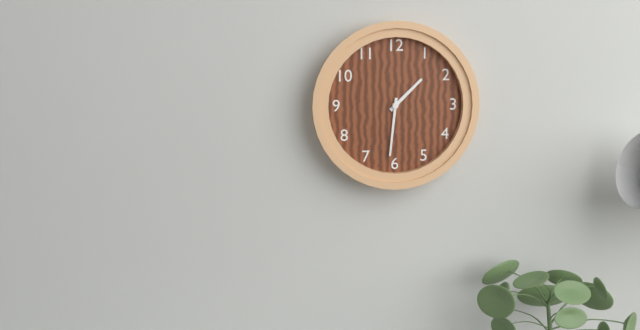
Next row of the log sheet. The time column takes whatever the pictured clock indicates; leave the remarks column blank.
1:31
